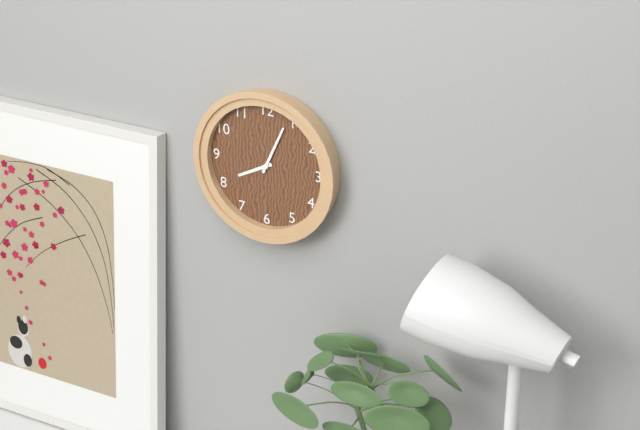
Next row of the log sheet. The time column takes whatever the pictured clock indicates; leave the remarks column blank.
8:04
